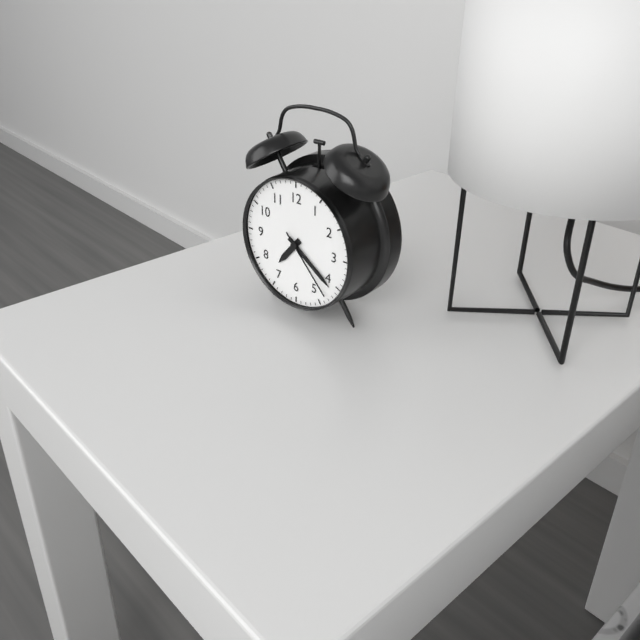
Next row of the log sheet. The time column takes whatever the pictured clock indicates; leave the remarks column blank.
7:21:23
